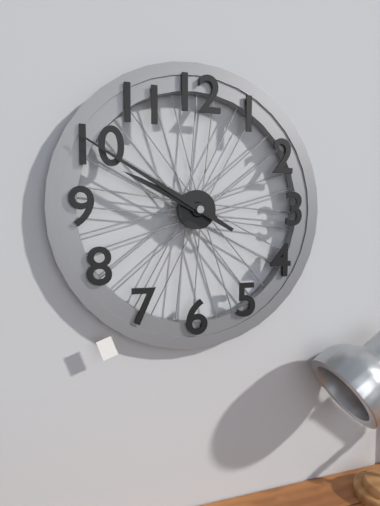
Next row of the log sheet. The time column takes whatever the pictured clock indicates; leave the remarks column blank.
9:50
